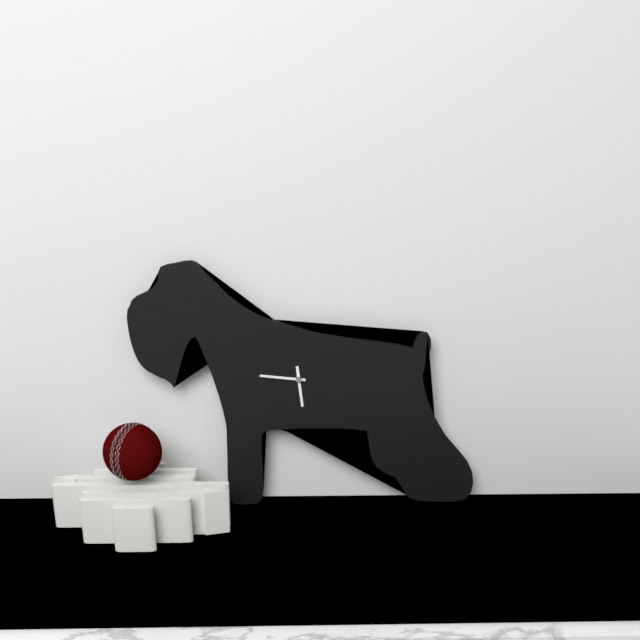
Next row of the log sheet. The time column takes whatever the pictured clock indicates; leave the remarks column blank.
5:46
